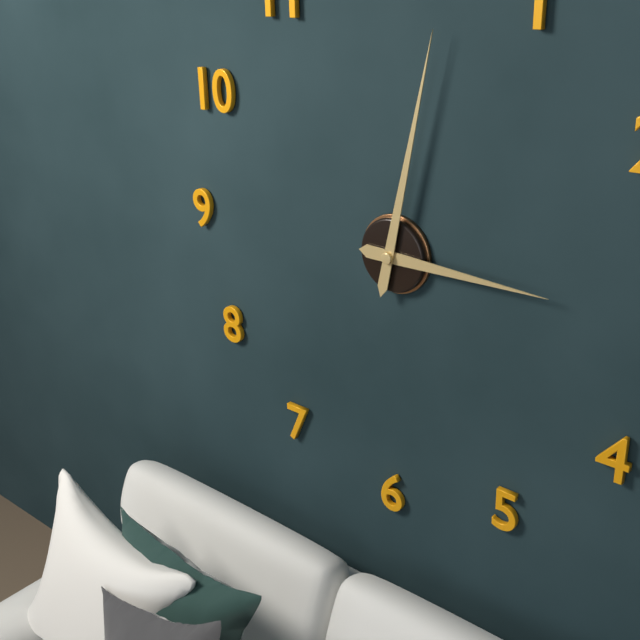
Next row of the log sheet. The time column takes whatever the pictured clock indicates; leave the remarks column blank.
3:02
